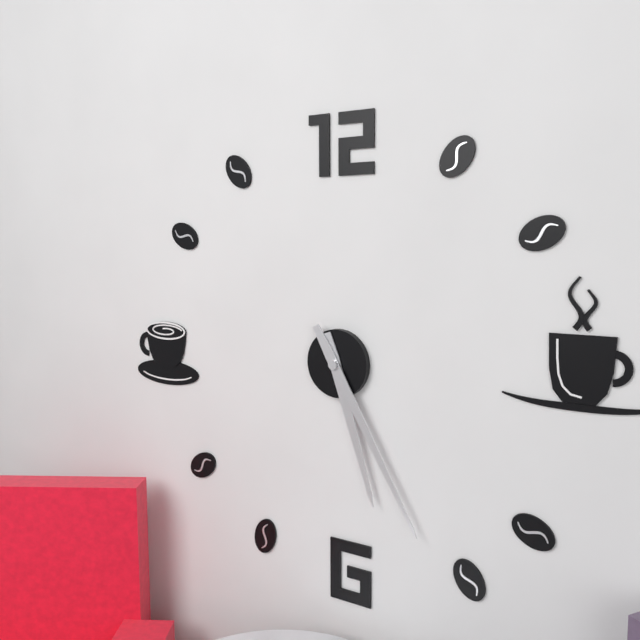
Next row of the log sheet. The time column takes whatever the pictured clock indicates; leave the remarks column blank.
5:25
